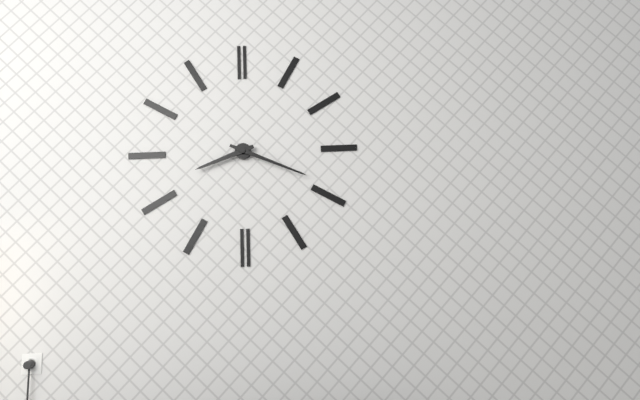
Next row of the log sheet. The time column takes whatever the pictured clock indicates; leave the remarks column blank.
8:19
